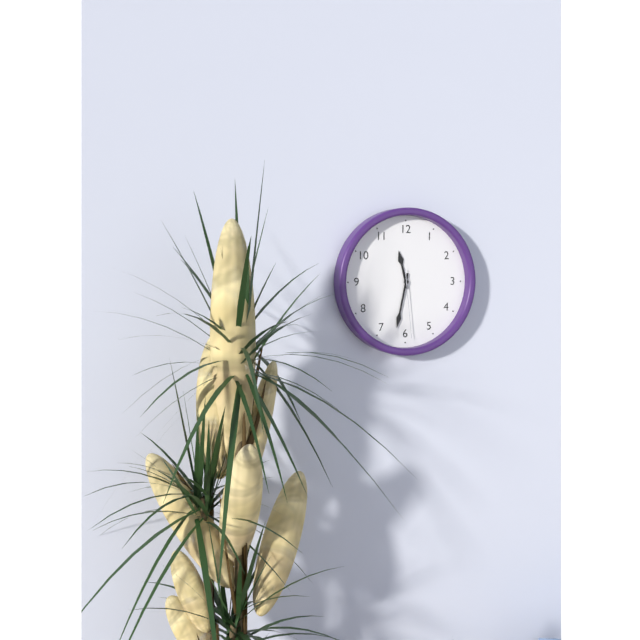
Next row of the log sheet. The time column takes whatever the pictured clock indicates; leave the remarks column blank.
11:32:29
